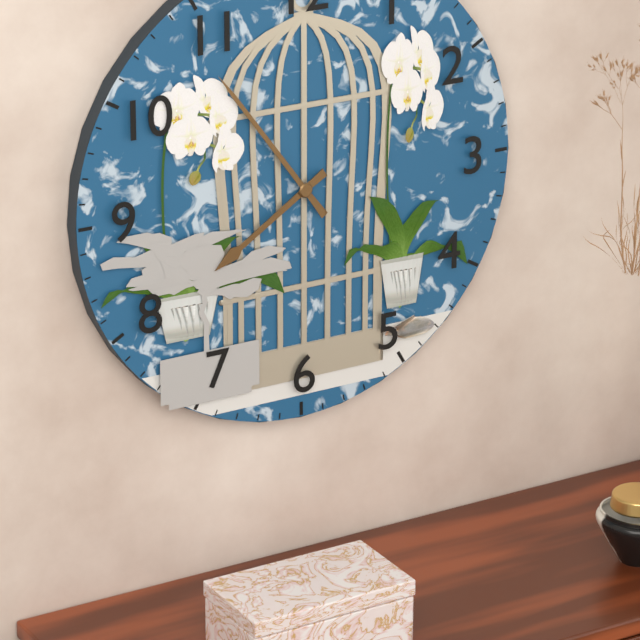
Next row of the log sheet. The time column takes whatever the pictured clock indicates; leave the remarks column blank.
7:54
